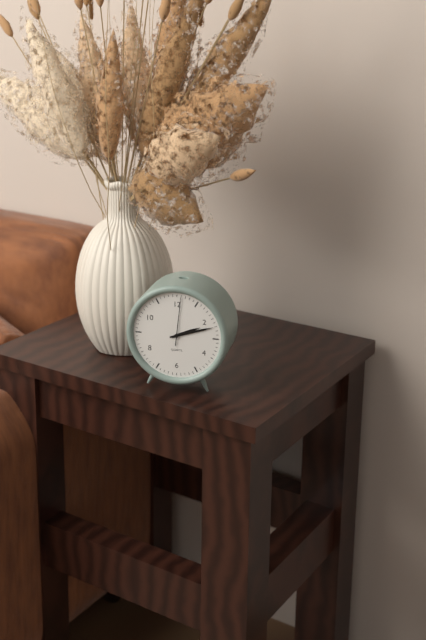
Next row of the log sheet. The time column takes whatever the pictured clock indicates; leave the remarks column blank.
2:12
